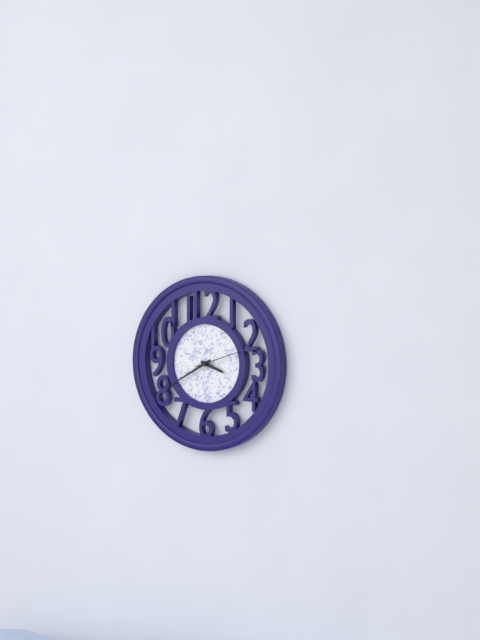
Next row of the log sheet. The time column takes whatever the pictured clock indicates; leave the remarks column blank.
3:40
